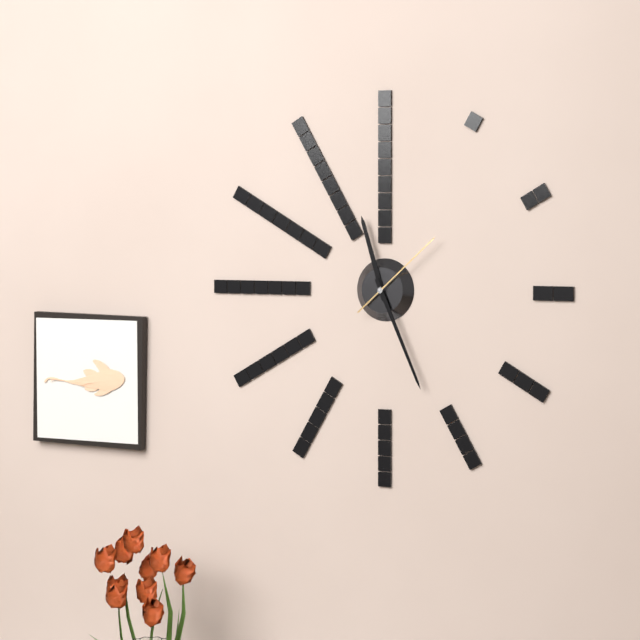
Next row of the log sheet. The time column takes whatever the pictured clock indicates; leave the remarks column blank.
11:26:08
